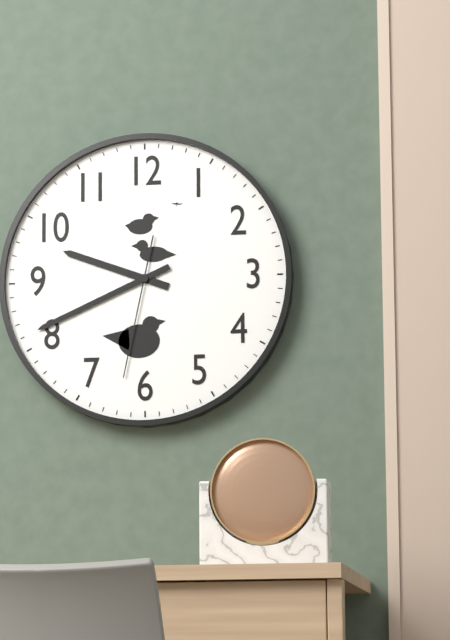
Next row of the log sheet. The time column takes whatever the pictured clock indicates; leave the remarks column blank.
9:41:32
